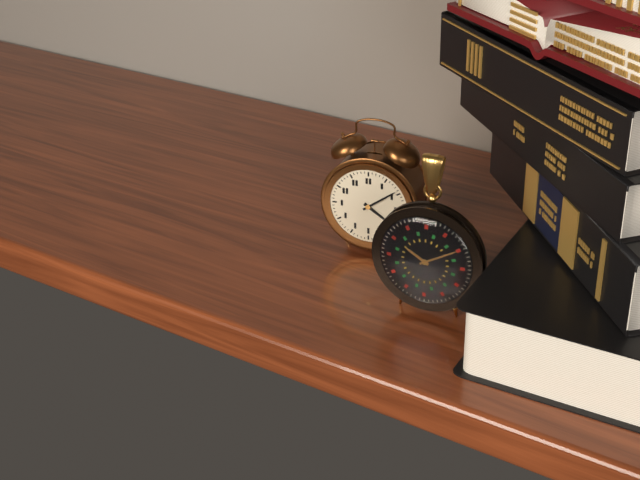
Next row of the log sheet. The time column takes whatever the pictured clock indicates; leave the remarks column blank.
4:09
